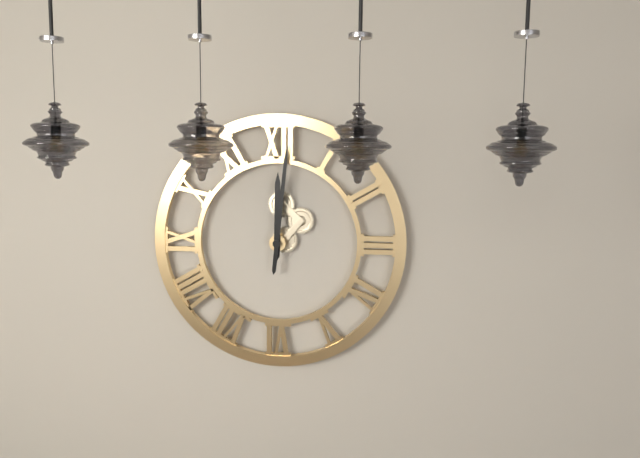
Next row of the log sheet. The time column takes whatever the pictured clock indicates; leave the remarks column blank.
12:01
